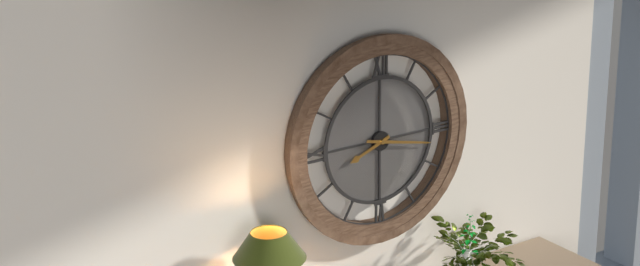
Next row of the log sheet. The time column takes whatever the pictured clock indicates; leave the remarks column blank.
8:17
